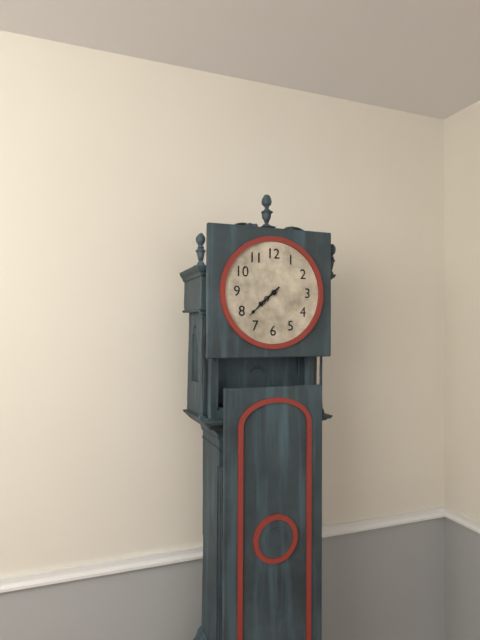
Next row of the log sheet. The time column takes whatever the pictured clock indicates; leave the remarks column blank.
7:38
